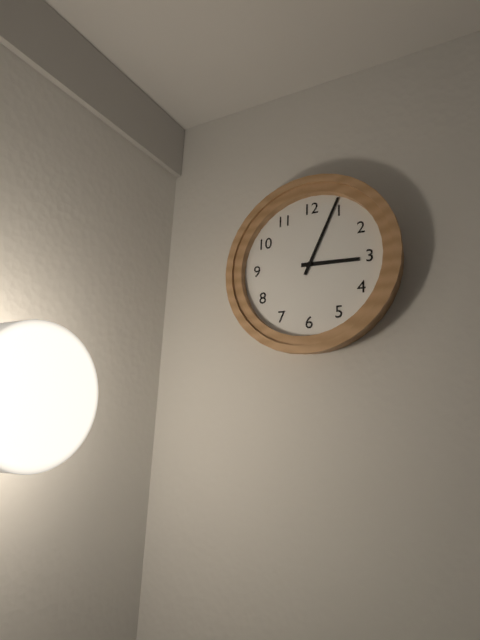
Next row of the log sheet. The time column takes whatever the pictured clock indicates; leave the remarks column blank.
3:04
